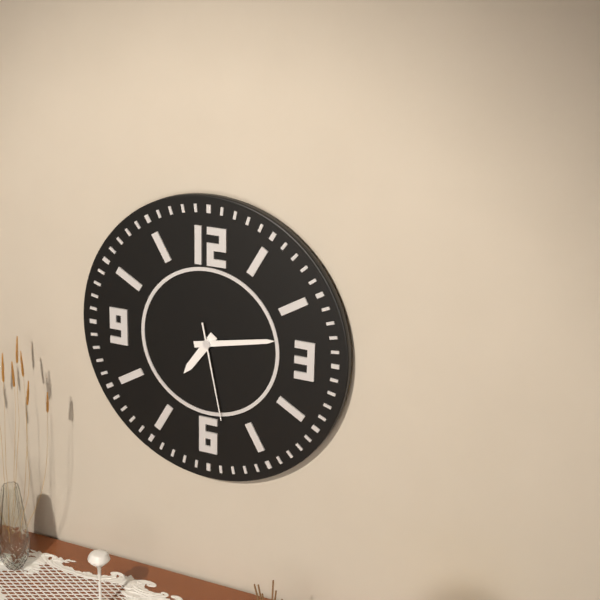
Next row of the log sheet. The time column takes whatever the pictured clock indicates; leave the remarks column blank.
7:13:28
